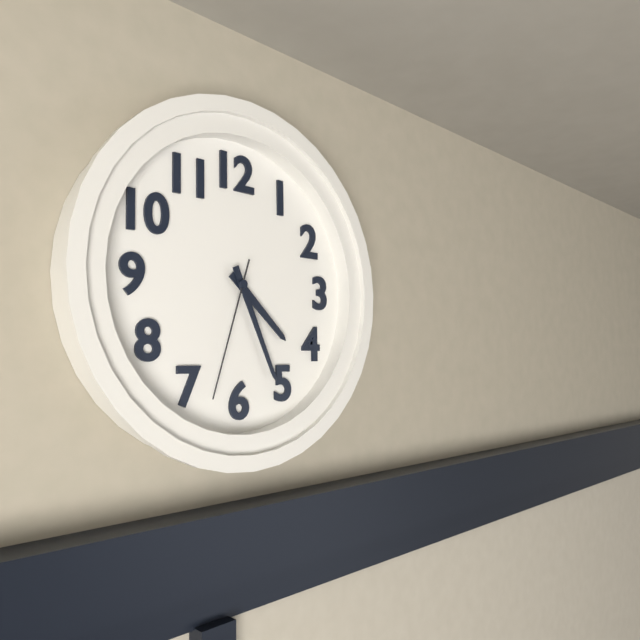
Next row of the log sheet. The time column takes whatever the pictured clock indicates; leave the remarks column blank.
4:26:33
